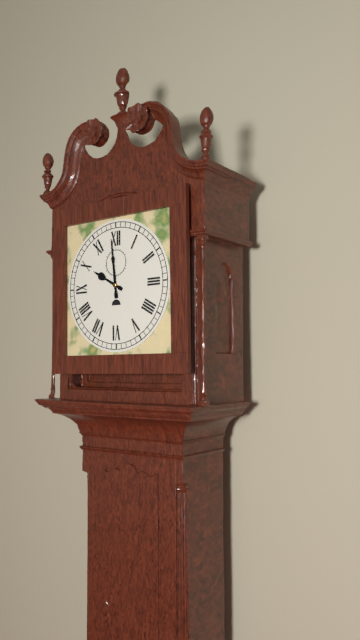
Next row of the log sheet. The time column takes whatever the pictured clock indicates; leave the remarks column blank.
9:59
